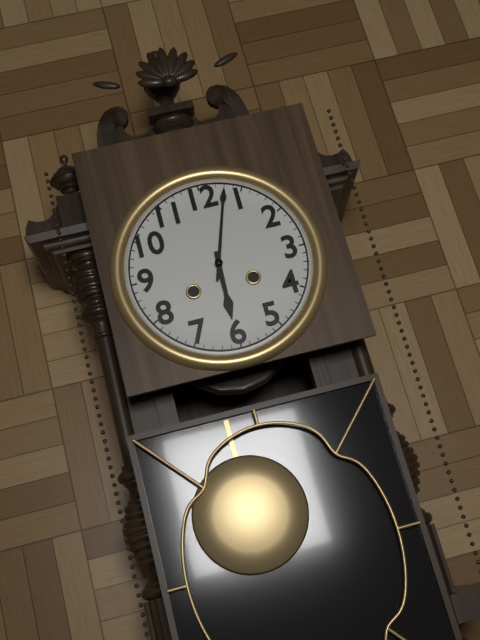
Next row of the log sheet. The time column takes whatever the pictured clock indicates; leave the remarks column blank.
6:03
